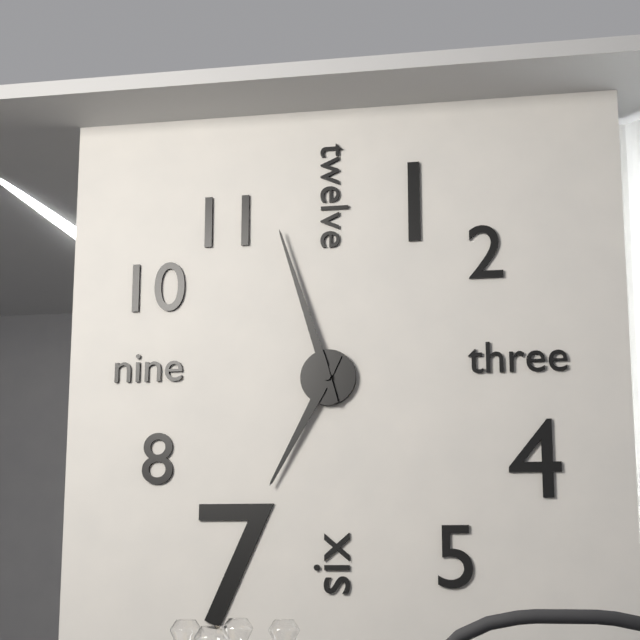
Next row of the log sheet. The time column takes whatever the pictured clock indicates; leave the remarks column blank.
6:57
